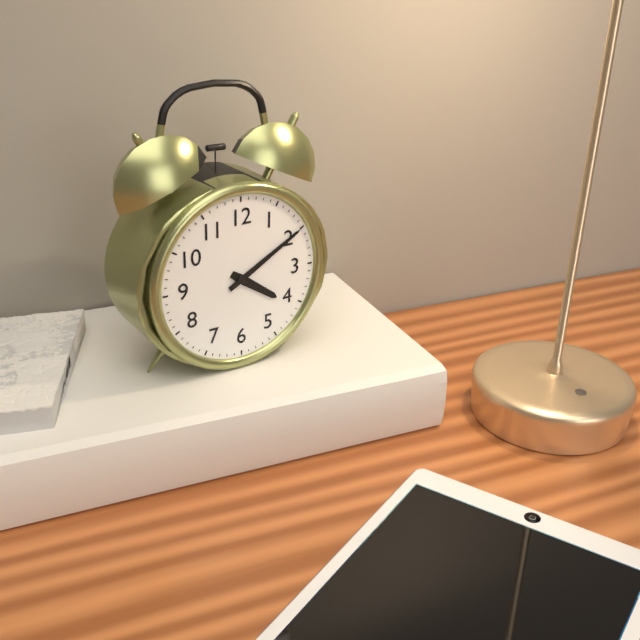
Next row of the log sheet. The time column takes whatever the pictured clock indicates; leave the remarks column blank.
4:10
